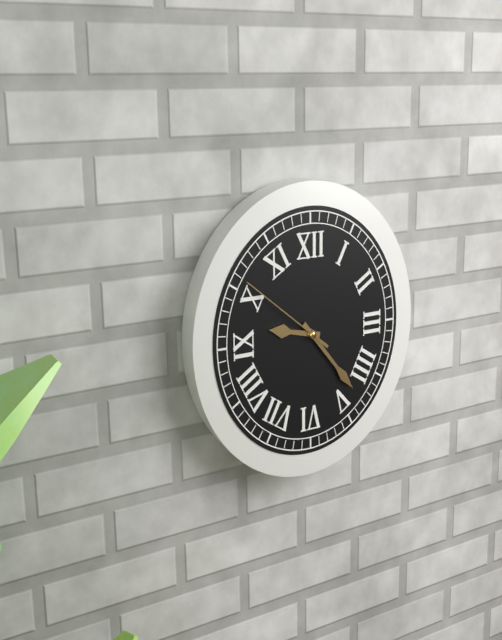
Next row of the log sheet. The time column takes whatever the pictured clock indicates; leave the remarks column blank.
9:23:51
